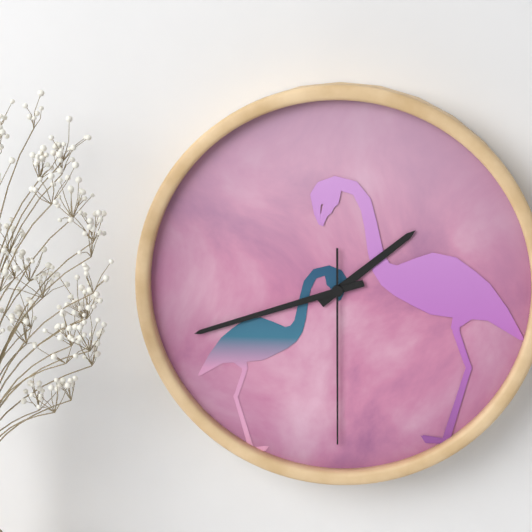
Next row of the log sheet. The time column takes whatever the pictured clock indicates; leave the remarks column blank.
1:42:30
